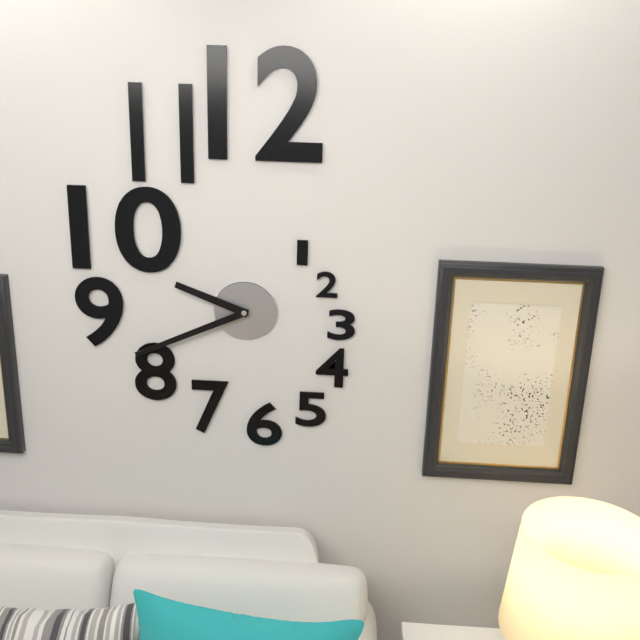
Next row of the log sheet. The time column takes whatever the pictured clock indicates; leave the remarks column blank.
9:41
